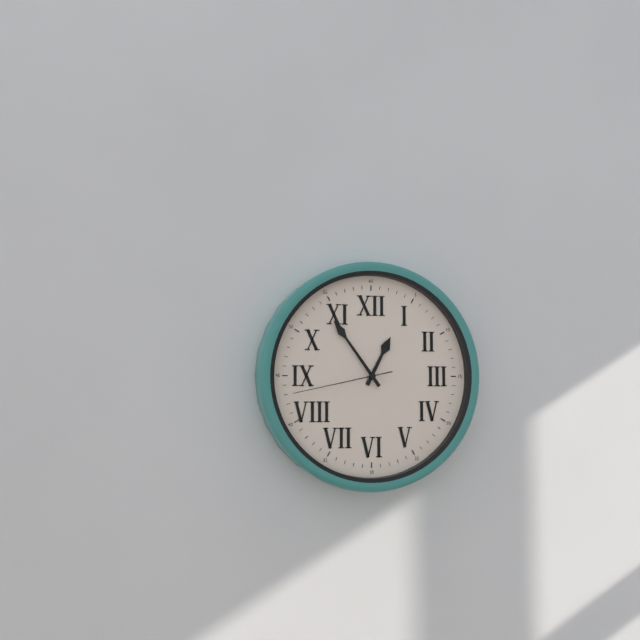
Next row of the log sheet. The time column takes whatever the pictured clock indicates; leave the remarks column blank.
12:54:43
